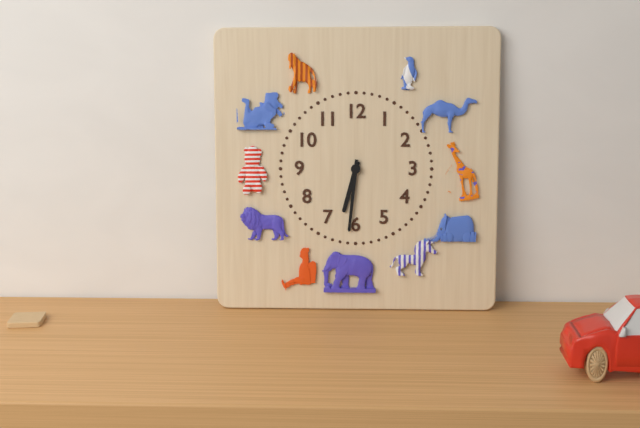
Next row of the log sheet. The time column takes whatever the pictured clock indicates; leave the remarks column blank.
6:31
